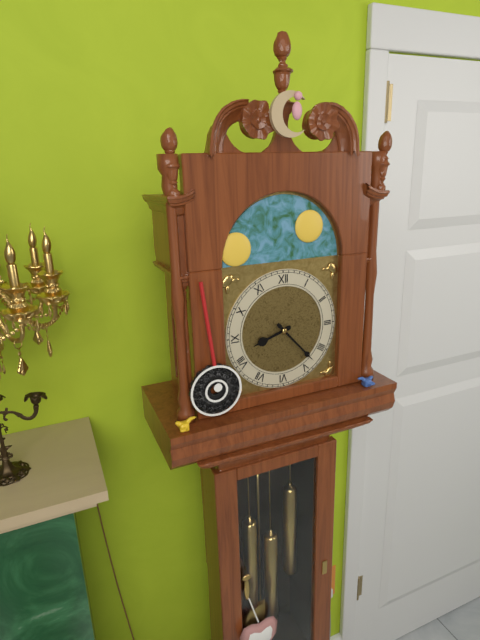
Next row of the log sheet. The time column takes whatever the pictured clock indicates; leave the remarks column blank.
8:23
